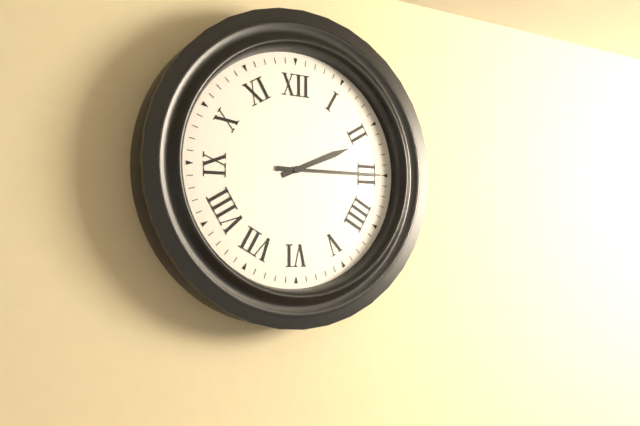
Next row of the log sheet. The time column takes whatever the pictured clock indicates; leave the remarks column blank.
2:15
